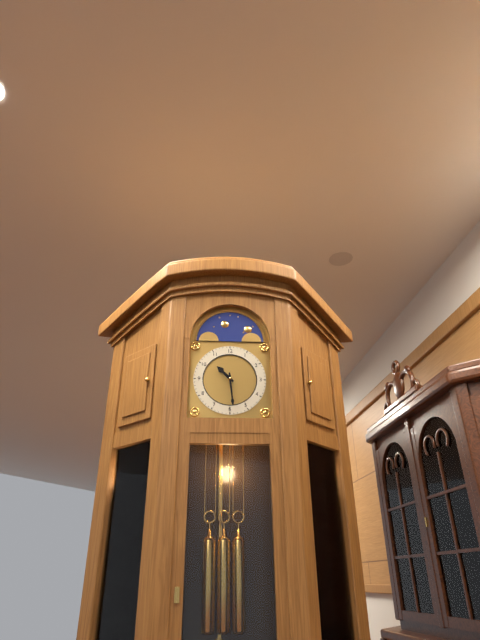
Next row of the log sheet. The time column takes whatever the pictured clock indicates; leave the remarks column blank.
10:29
